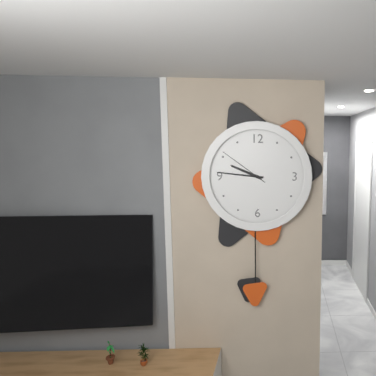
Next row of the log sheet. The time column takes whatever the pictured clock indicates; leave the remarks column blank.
9:46:51
